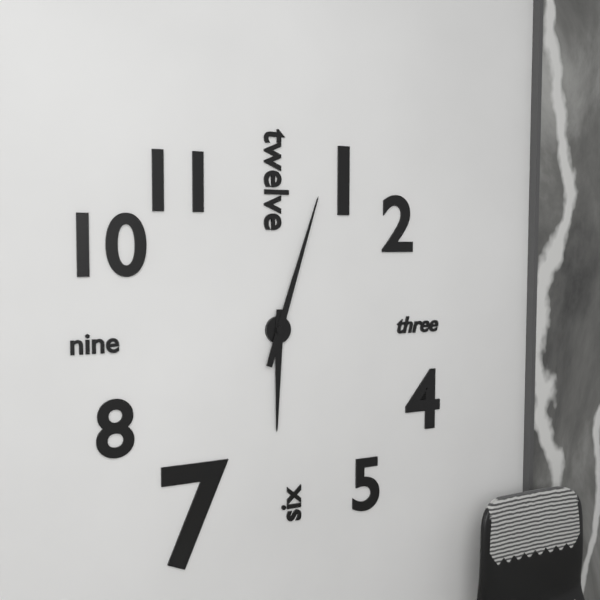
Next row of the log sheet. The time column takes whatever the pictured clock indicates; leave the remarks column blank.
6:03
